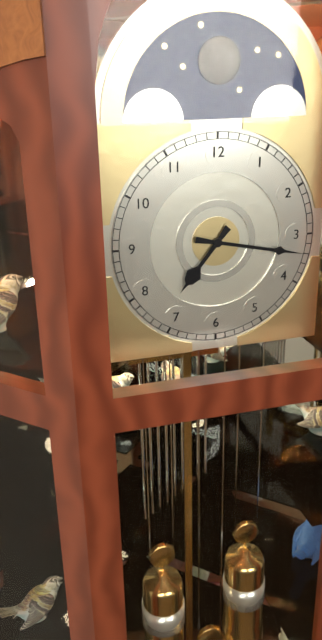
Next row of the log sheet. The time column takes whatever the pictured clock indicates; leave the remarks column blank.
7:17
